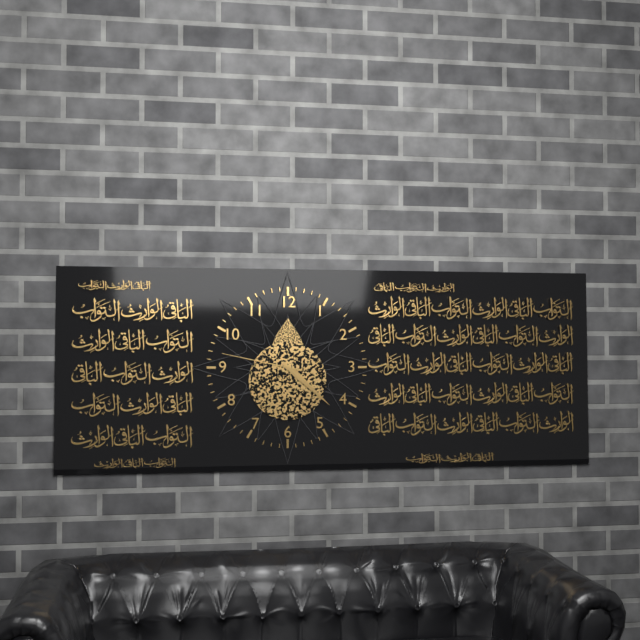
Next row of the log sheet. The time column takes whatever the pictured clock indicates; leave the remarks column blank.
4:22:47
